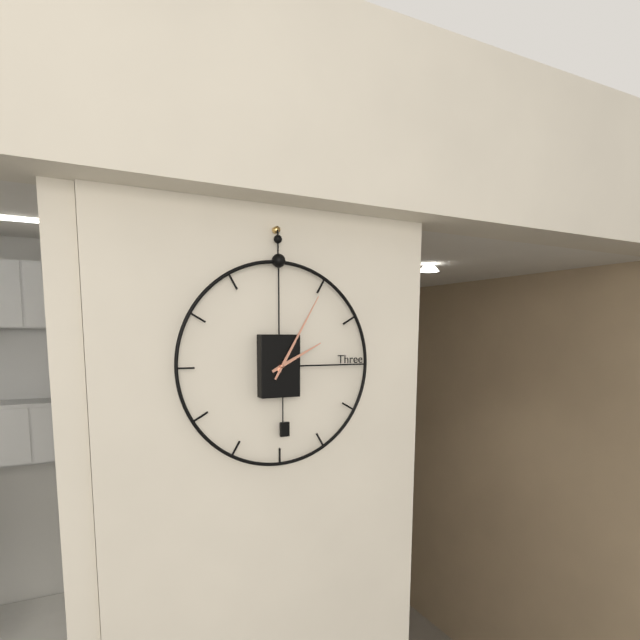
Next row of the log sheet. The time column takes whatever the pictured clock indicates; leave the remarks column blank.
2:05
